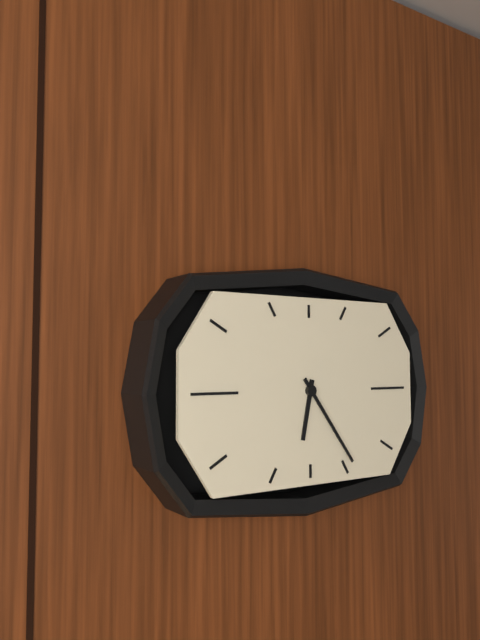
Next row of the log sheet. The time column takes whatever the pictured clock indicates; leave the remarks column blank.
6:24
